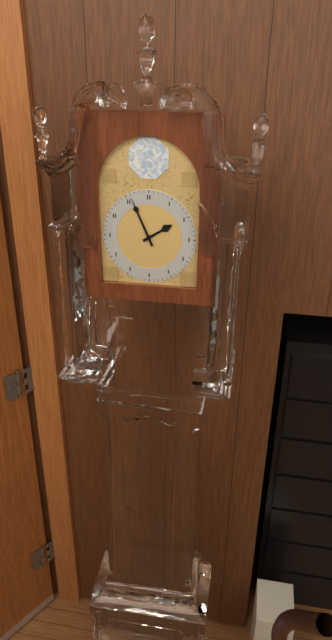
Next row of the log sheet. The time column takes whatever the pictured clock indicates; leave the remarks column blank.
1:56
